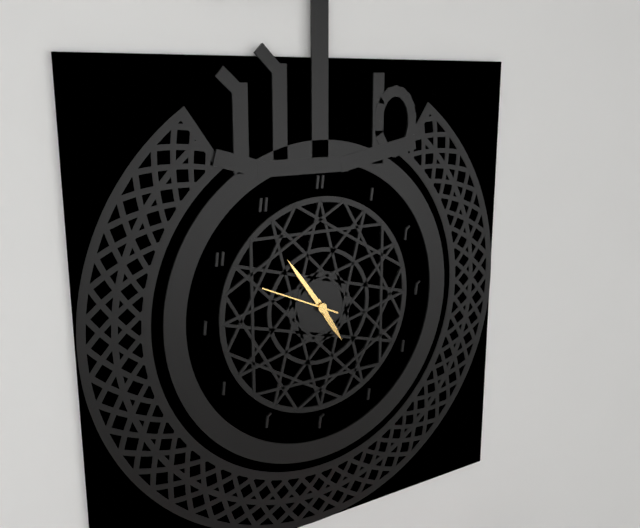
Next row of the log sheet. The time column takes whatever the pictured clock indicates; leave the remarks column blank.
4:54:49
